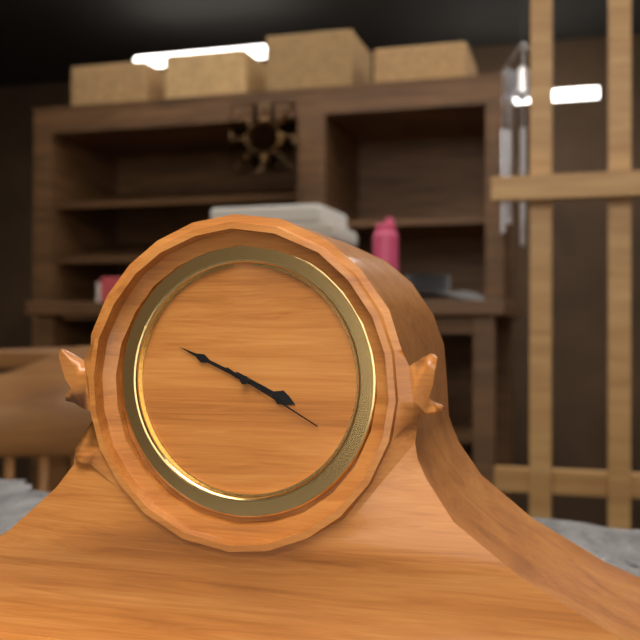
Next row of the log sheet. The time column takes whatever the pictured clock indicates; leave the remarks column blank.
3:49:20
